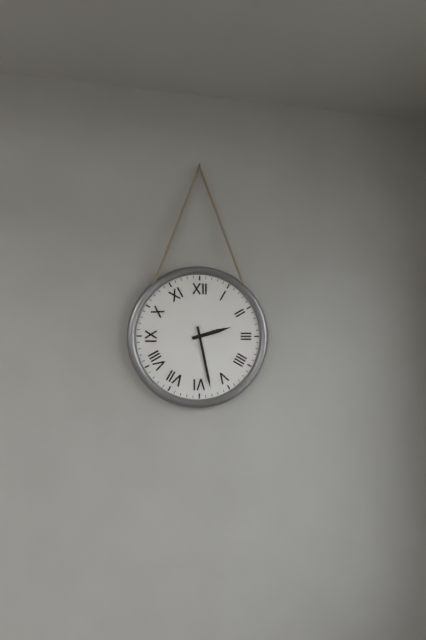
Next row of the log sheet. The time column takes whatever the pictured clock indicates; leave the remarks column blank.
2:28
